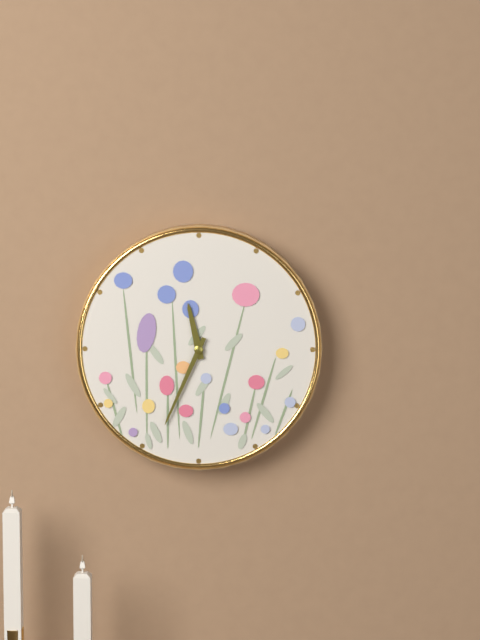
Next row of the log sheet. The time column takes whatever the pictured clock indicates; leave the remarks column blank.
11:34
